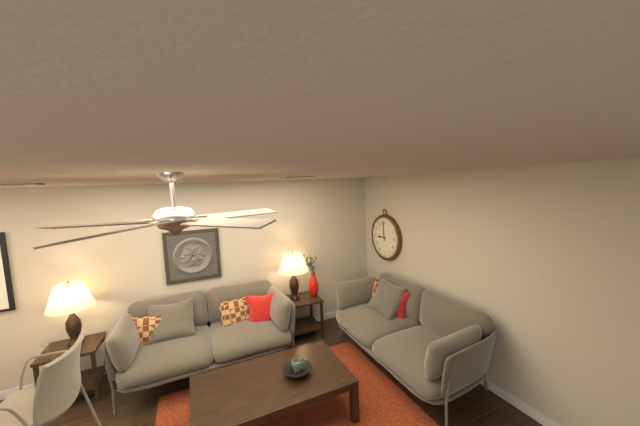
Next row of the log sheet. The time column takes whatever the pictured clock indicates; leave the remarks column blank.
8:59
